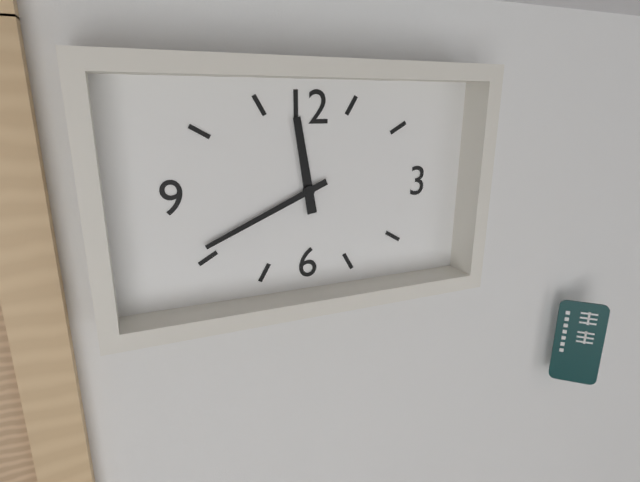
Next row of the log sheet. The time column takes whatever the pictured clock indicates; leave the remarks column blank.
11:41
